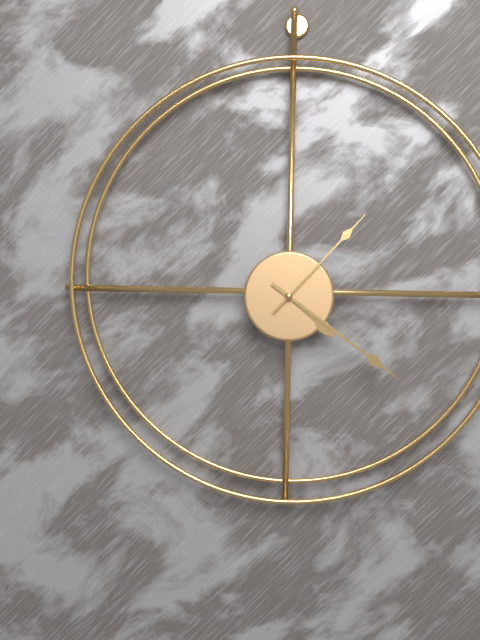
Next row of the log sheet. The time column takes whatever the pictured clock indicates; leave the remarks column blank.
4:21:07
